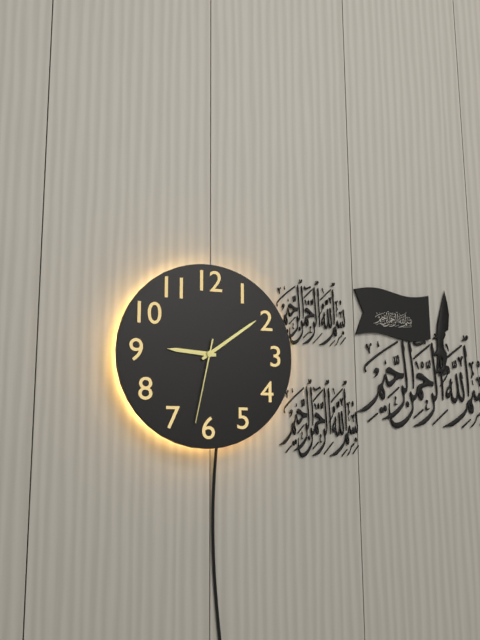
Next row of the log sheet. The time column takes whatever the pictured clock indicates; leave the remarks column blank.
9:09:32
